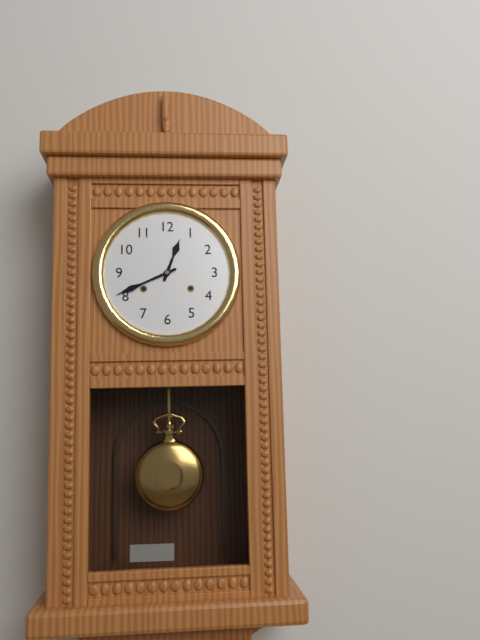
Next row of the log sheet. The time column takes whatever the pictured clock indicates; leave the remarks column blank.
12:41
